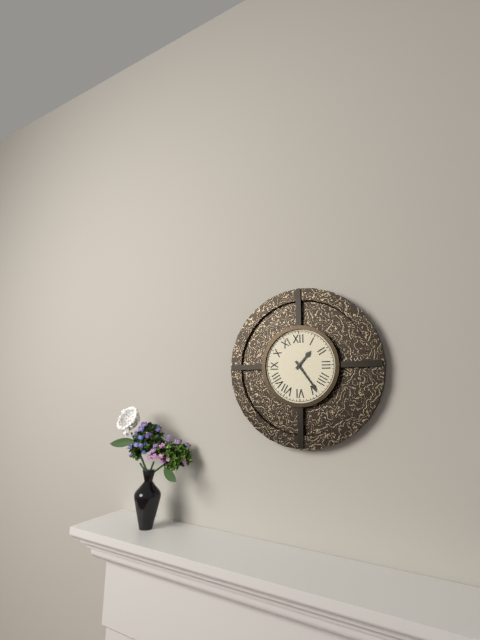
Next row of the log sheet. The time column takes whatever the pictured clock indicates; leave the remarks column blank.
1:24
